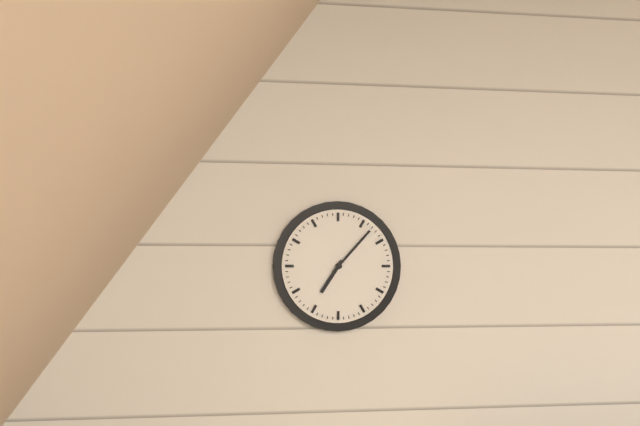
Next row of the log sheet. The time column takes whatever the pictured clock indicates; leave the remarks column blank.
7:07
